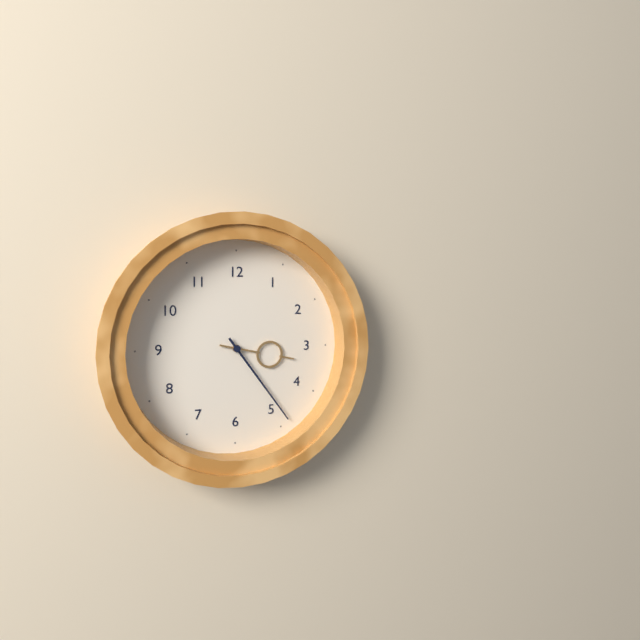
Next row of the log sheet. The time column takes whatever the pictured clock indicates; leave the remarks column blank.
3:24
